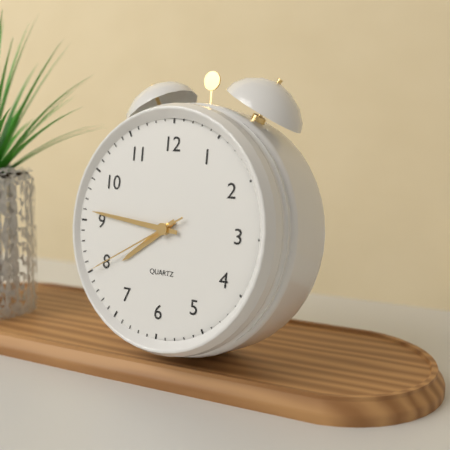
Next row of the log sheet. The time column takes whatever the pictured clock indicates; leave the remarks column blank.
7:46:40
